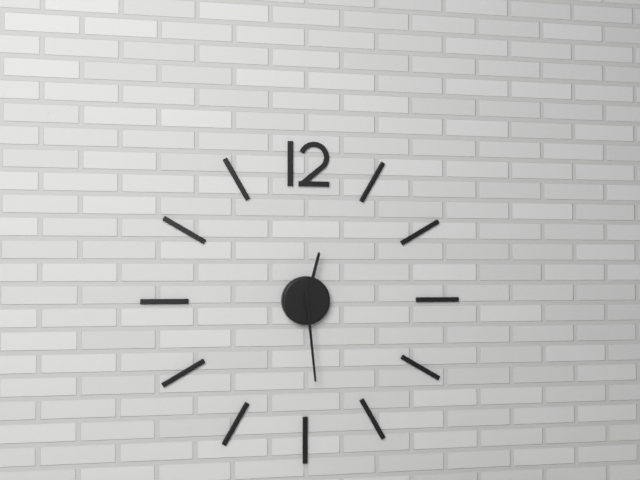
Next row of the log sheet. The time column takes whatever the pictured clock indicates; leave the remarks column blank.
12:29
